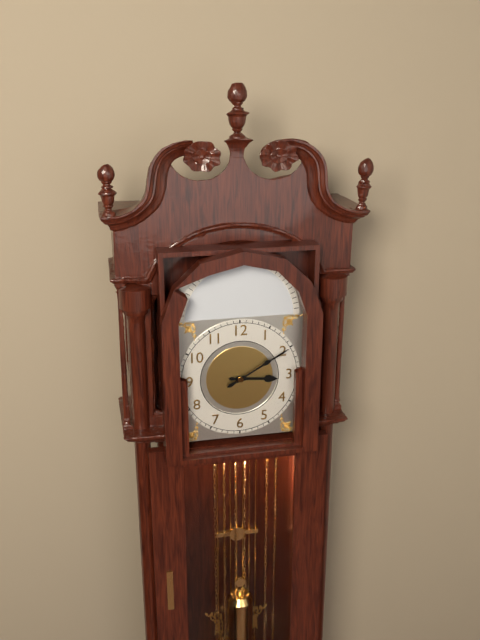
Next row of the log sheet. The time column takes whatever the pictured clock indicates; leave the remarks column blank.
3:10
